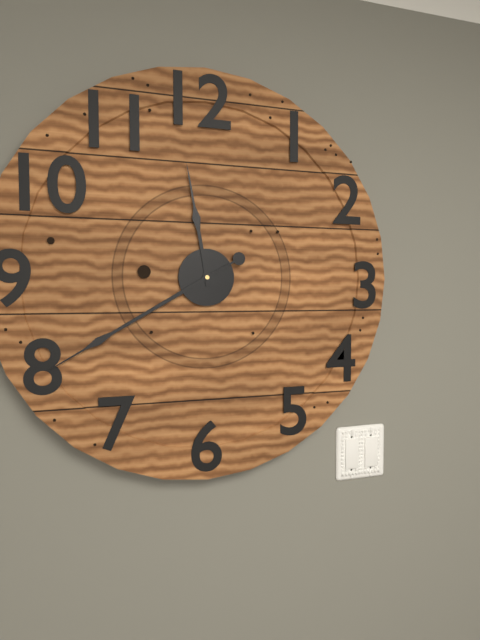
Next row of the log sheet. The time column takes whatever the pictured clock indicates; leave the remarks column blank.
11:40
